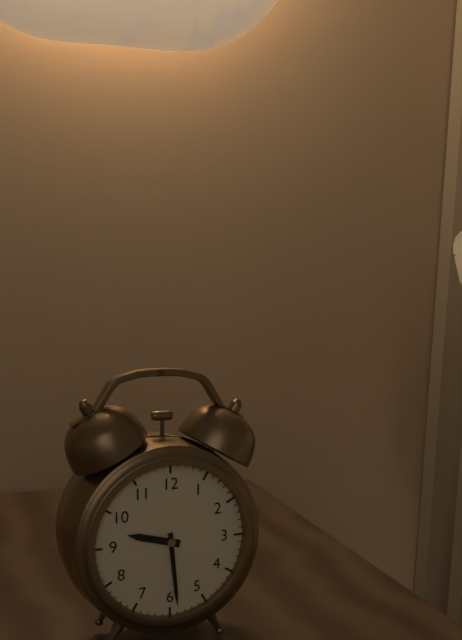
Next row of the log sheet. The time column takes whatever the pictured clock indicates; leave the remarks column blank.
9:29
